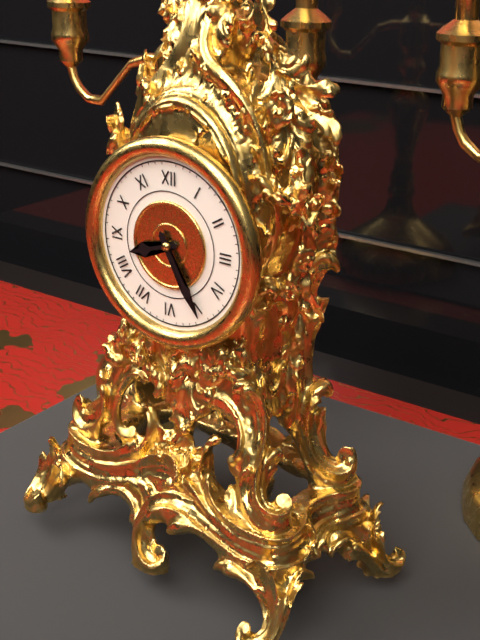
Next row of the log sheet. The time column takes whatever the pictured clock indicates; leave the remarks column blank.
8:25
